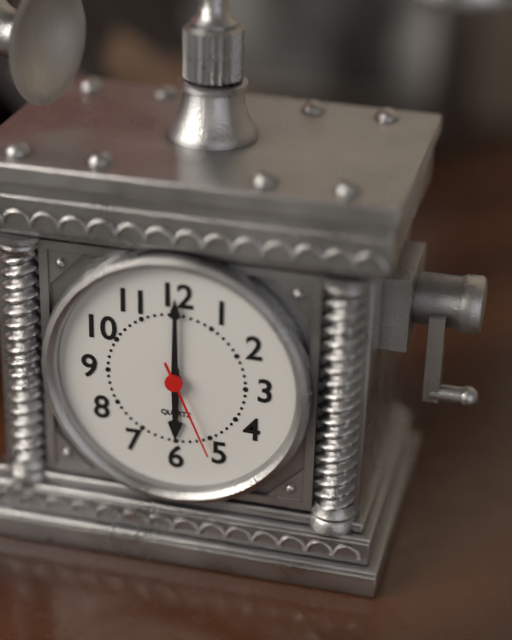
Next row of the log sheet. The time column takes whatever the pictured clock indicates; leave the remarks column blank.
6:00:26
